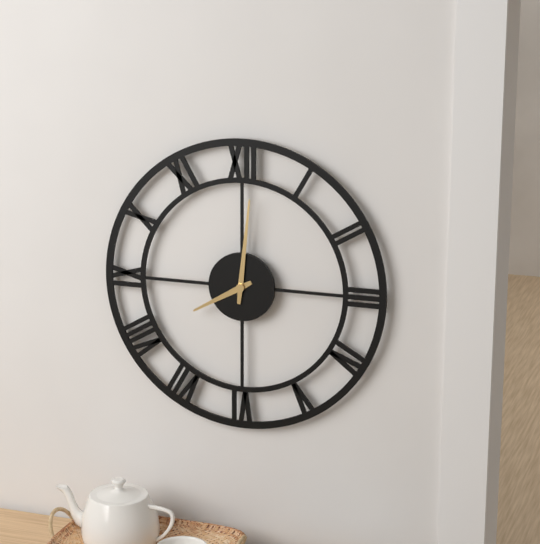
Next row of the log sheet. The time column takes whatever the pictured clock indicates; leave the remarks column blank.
8:01
